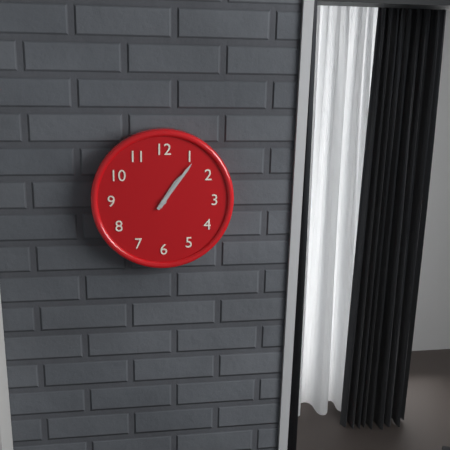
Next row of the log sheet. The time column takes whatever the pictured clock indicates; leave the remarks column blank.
1:06
